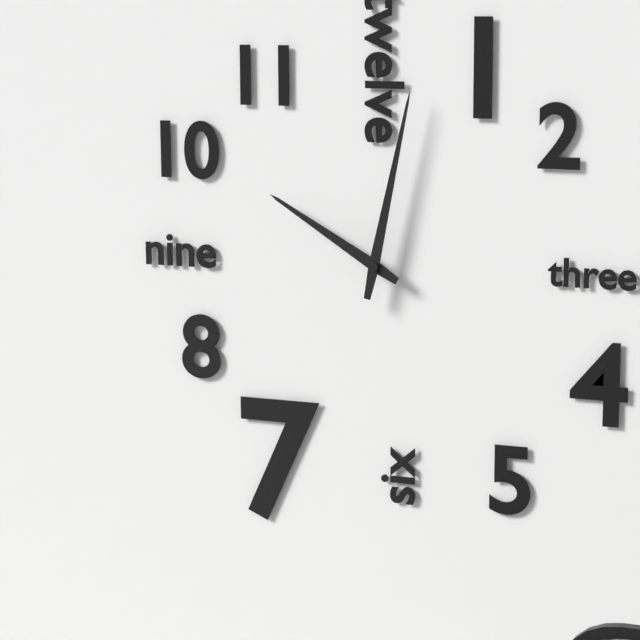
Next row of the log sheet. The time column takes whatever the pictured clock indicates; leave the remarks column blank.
10:02
